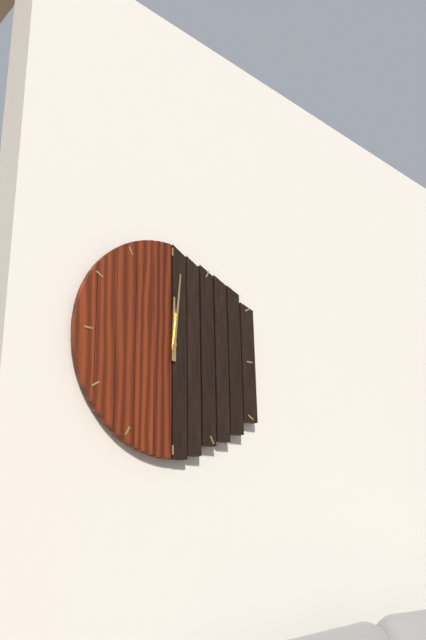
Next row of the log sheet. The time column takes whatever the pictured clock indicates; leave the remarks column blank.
12:01
